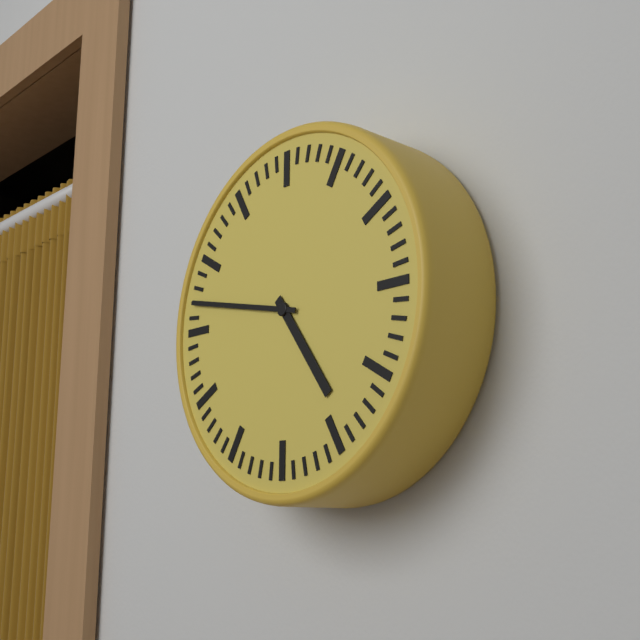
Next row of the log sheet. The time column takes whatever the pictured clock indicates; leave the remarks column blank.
4:47
